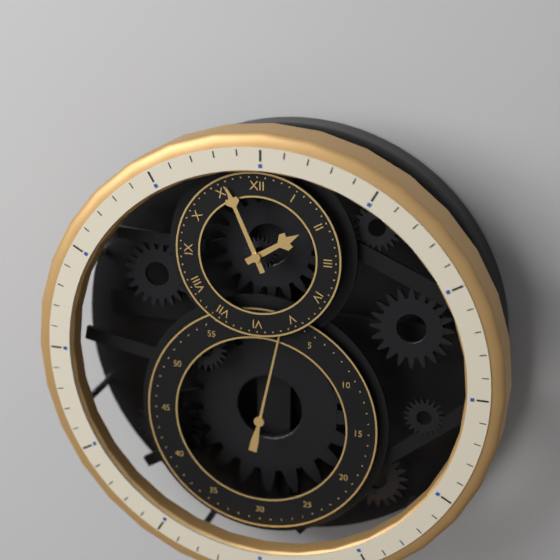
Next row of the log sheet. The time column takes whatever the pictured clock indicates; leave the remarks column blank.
1:56:02
